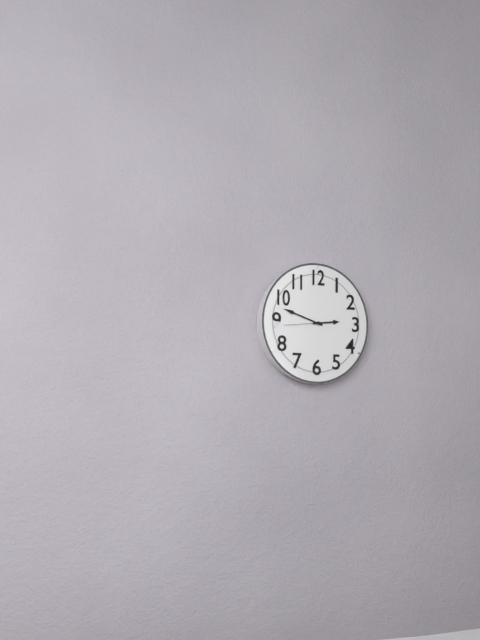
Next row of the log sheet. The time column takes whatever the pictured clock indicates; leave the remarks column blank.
2:48
